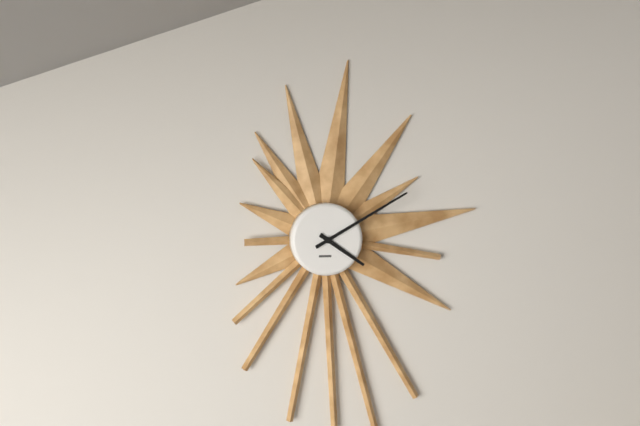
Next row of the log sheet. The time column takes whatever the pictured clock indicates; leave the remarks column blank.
4:10
